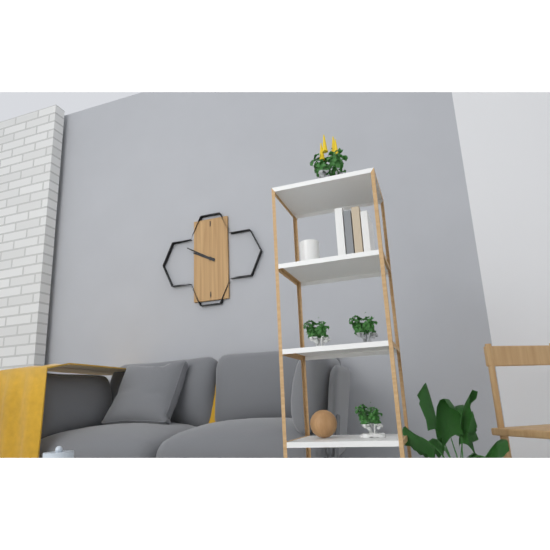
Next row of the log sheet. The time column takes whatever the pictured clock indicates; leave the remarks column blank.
9:50
